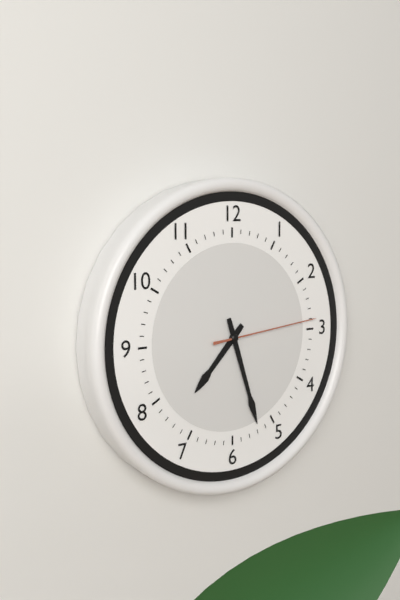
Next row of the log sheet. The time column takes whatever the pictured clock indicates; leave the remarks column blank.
7:27:14
